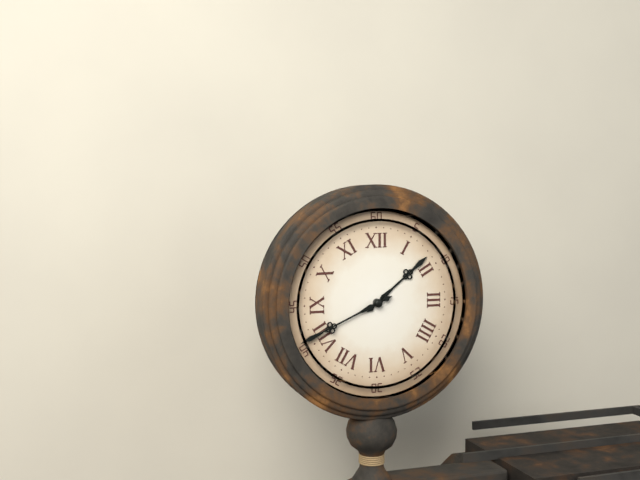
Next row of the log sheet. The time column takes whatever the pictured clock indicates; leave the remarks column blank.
1:41
